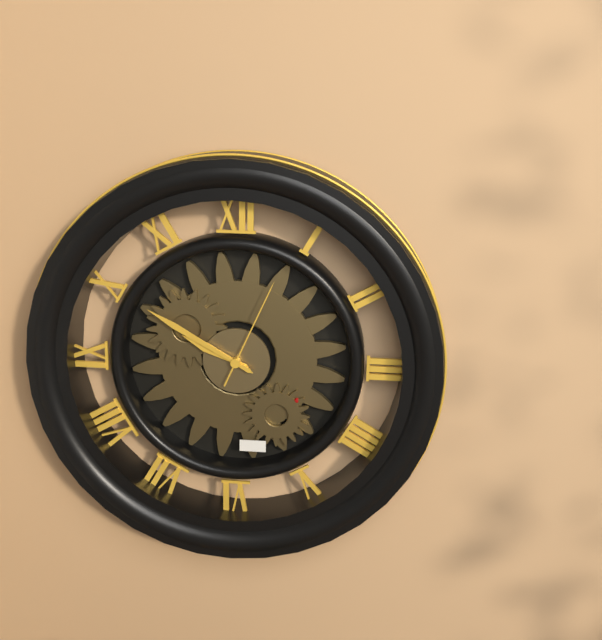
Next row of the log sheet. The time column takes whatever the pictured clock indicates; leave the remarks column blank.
9:50:04
